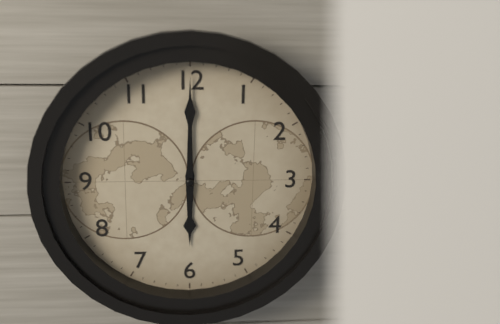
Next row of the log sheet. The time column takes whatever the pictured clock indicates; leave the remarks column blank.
6:00
